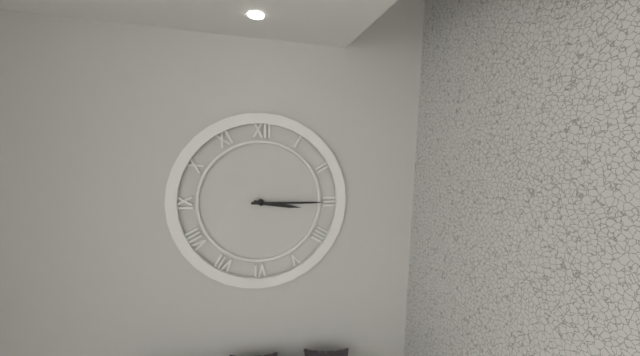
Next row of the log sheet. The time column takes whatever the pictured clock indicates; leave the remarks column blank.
3:15
